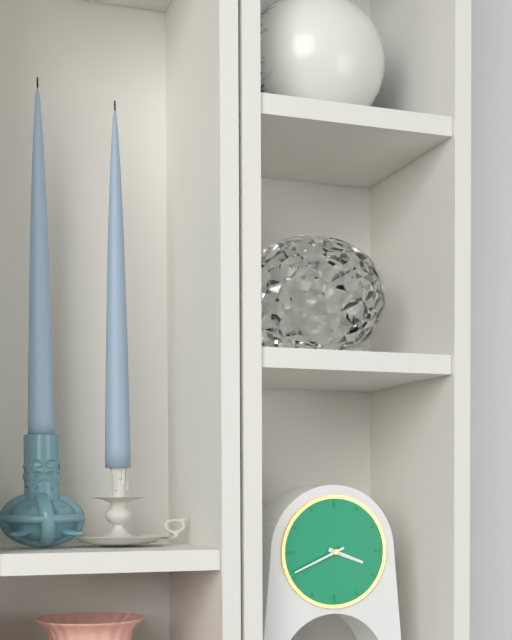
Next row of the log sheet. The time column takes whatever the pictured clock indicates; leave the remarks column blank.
3:41
